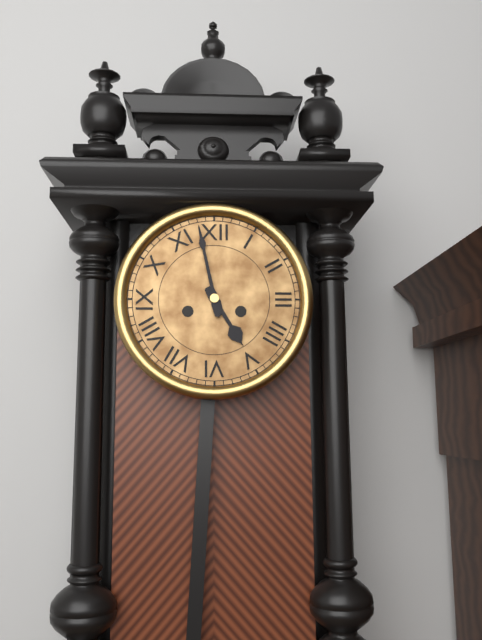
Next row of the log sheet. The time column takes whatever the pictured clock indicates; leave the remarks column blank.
4:58
